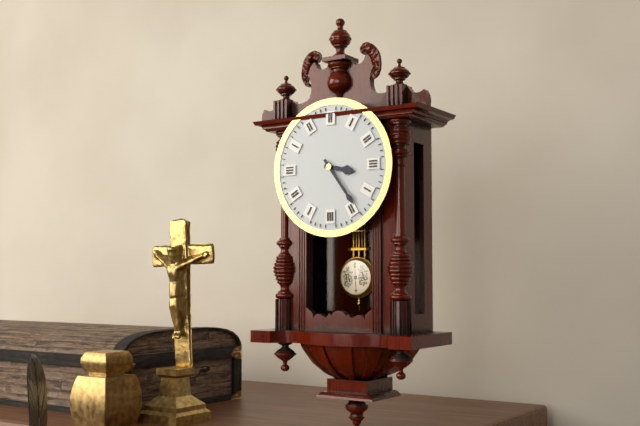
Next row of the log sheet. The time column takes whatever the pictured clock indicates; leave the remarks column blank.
3:24
